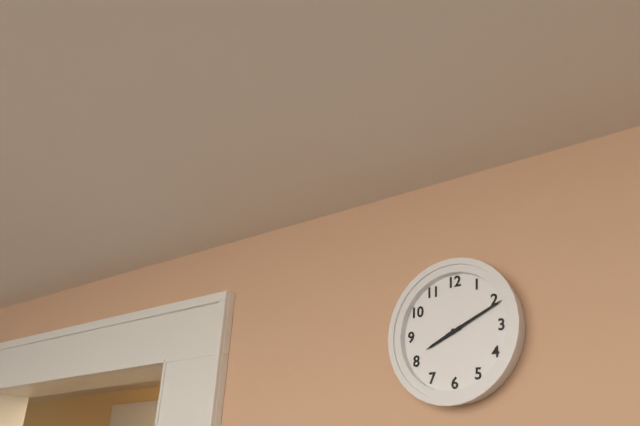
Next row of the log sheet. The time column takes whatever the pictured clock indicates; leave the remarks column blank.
8:11
